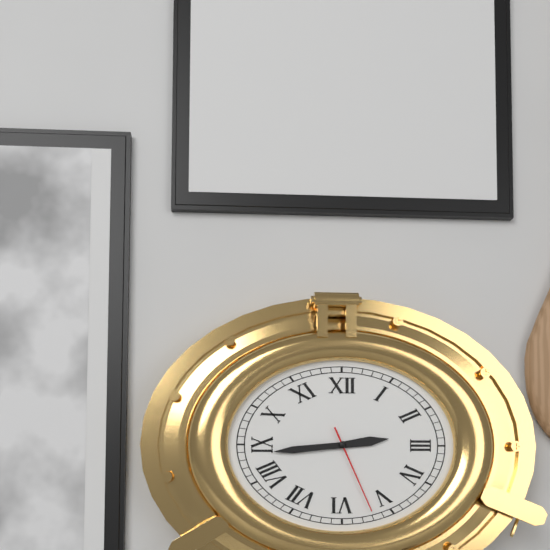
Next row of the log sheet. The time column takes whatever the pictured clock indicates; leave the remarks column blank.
2:44:26
